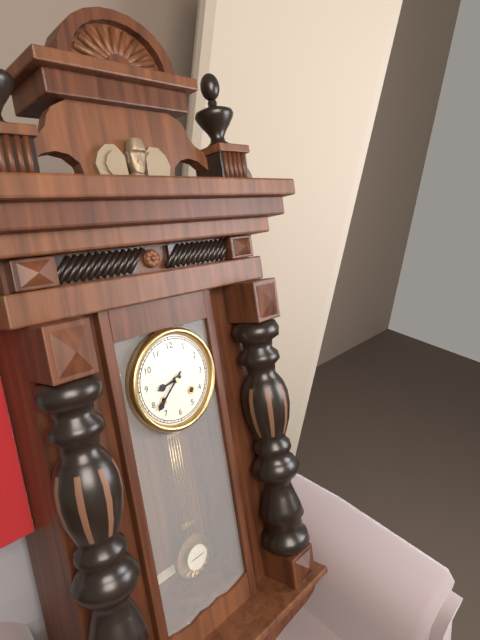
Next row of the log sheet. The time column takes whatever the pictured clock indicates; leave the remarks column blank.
8:38
